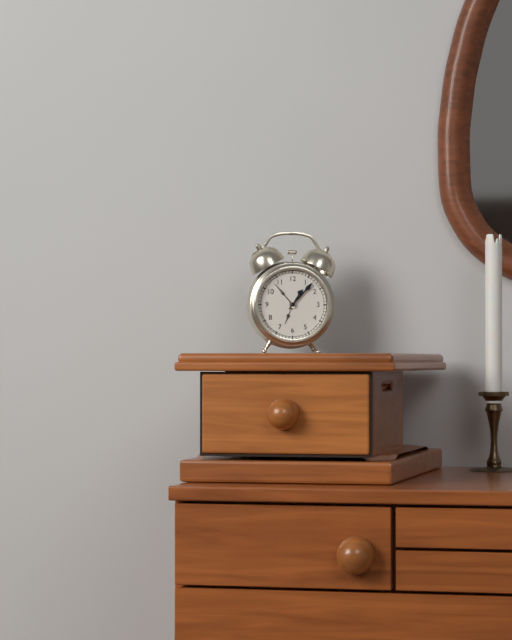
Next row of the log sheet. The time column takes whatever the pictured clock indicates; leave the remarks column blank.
1:07
